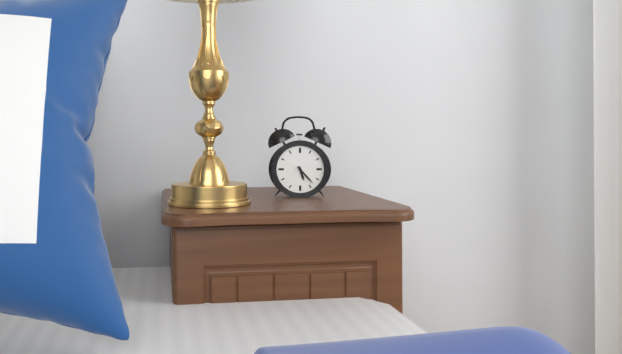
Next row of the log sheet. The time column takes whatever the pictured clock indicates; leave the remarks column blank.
5:23
